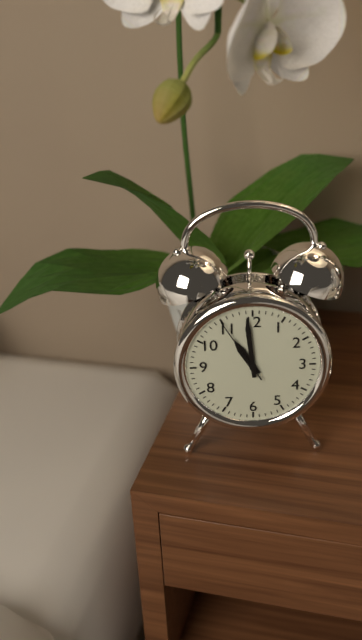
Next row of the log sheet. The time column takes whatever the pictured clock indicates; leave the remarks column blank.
10:59:55
